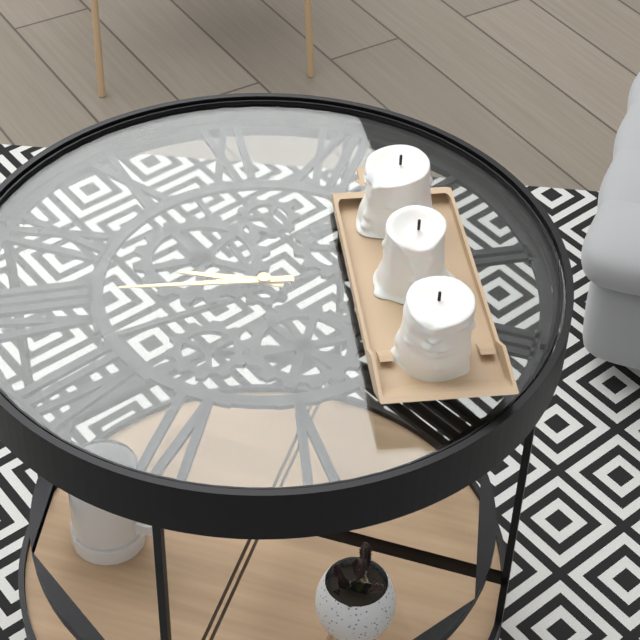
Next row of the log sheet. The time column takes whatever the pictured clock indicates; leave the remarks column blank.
8:41
